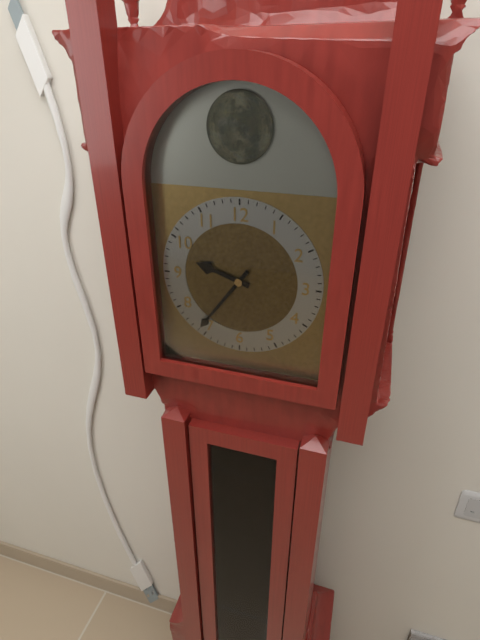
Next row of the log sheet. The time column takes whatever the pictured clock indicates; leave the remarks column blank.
9:36
